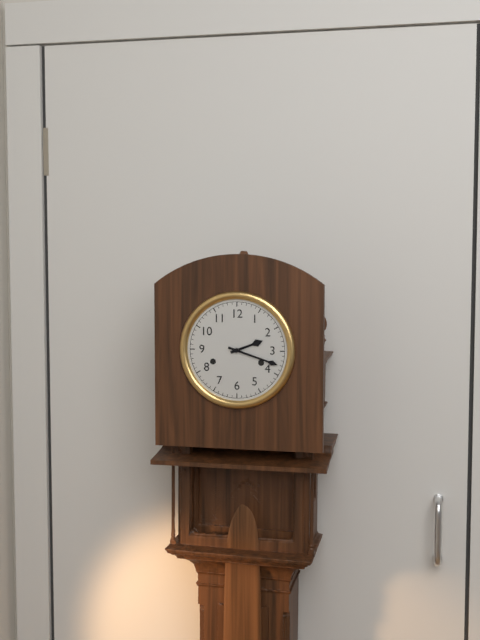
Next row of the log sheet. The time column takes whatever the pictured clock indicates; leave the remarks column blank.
2:18
